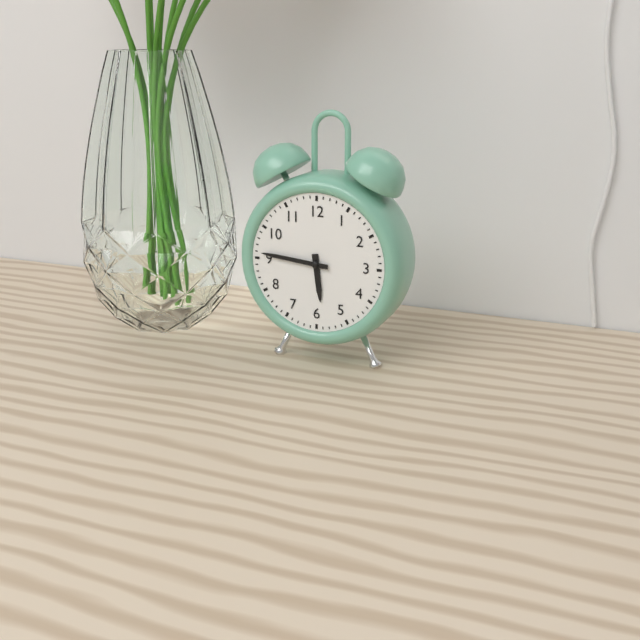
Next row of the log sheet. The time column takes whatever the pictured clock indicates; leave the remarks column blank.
5:46
